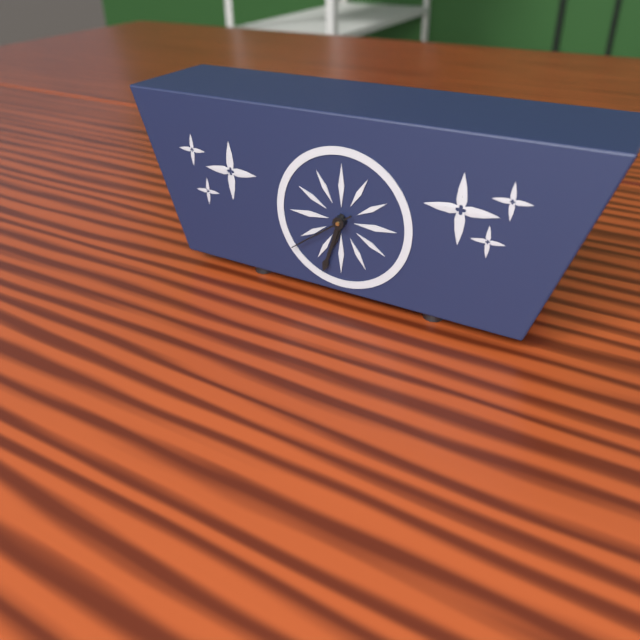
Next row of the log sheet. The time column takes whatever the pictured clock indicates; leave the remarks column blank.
6:33:39
